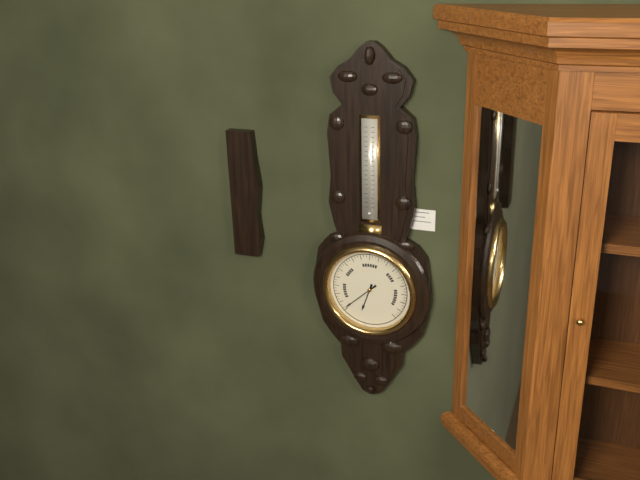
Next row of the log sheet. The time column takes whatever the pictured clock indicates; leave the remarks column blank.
6:38
